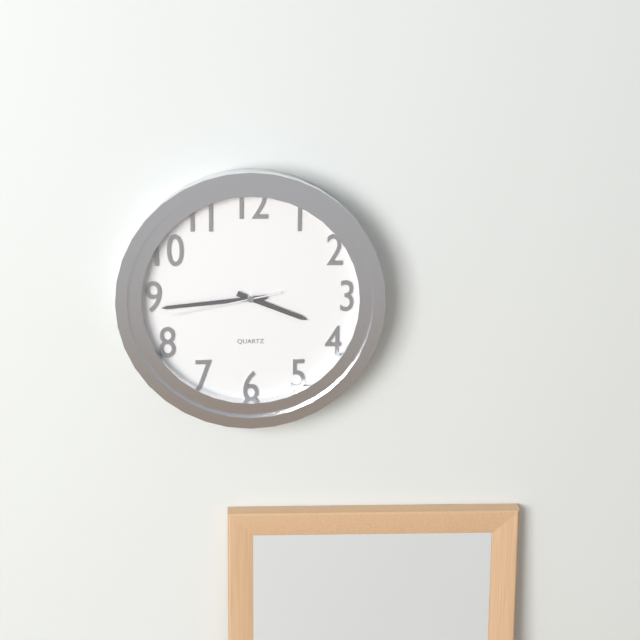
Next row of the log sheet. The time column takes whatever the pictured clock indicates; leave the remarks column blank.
3:44:43
